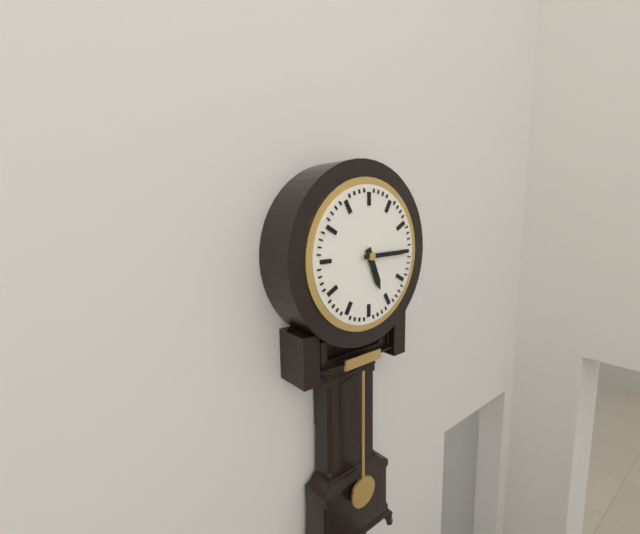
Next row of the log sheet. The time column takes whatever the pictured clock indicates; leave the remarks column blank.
5:15
